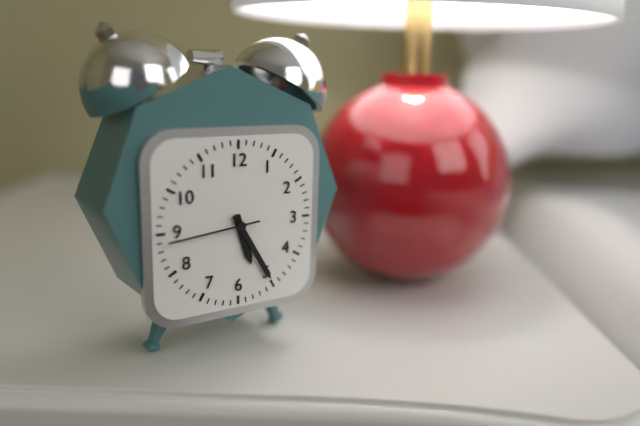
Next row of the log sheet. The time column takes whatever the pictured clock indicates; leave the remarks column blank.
5:25:44
